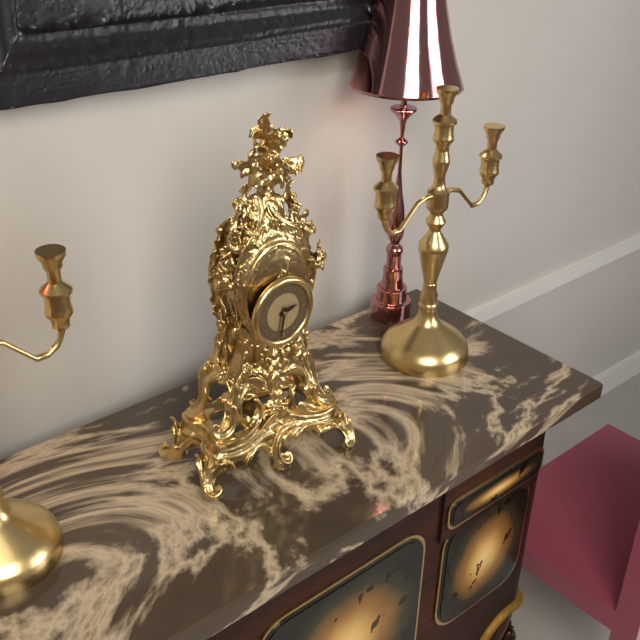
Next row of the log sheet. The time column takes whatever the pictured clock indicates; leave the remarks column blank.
2:32
